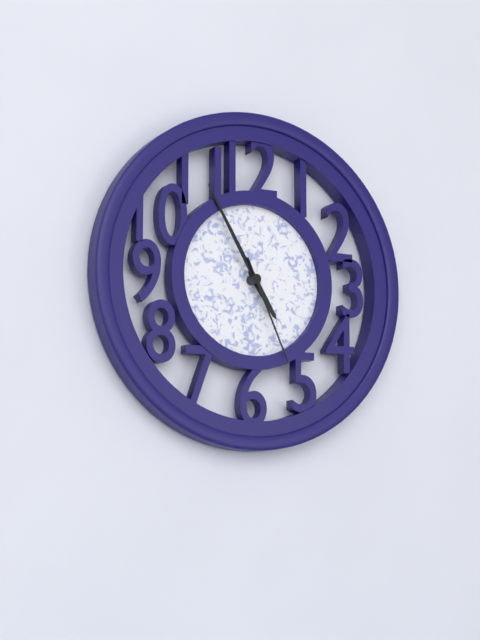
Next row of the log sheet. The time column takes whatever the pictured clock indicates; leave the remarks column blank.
4:55:26
